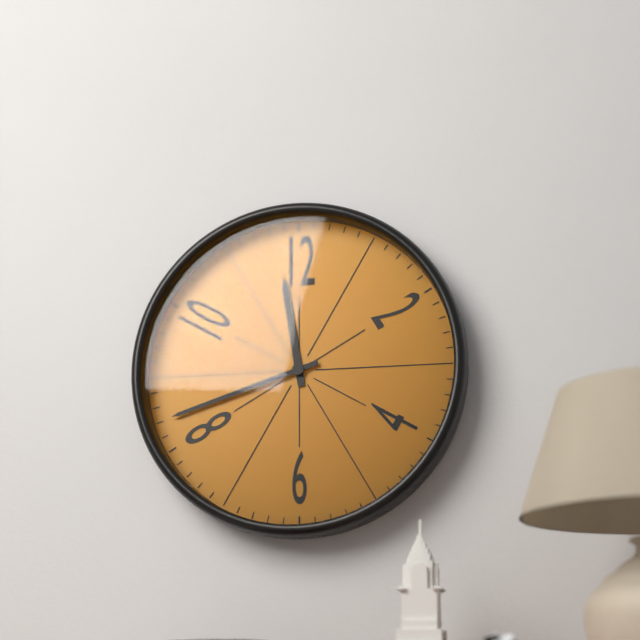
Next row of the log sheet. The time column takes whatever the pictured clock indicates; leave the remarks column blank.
11:42
